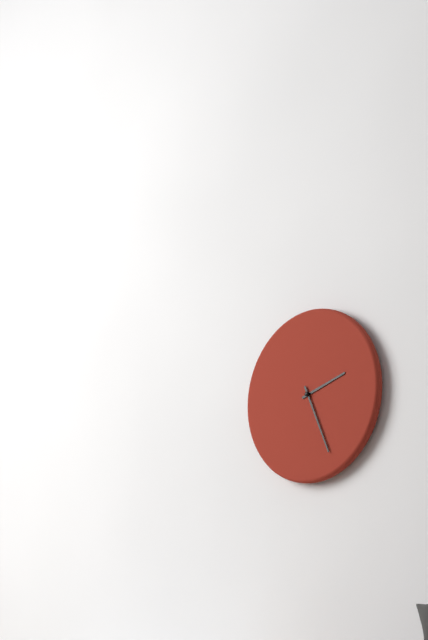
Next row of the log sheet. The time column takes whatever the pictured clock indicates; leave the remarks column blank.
2:26
